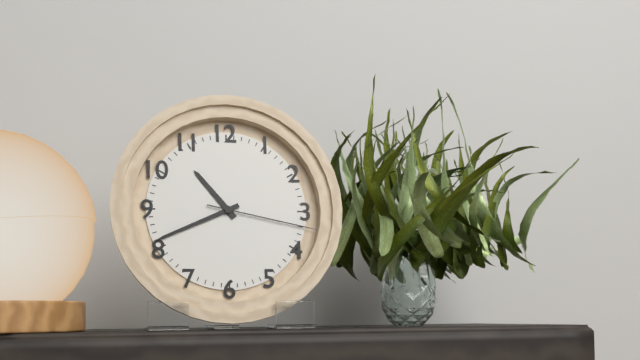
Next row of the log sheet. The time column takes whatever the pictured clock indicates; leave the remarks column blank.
10:41:17
